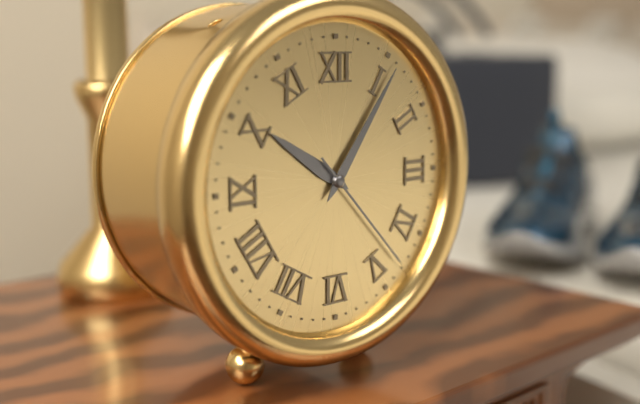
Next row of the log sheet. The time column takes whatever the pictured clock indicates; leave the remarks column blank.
10:06:23
